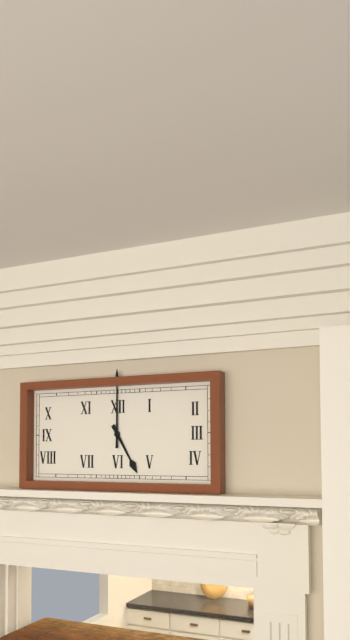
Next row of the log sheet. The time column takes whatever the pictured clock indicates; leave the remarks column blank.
5:00
